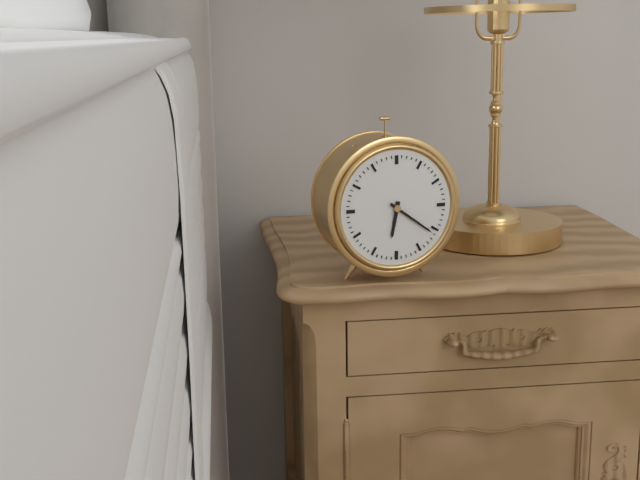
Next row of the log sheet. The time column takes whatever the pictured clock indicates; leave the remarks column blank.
6:21
